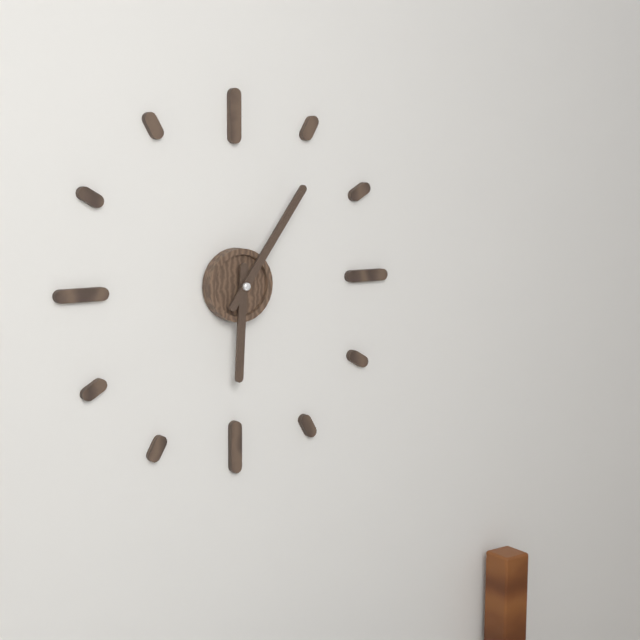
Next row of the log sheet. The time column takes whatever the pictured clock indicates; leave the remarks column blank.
6:06
